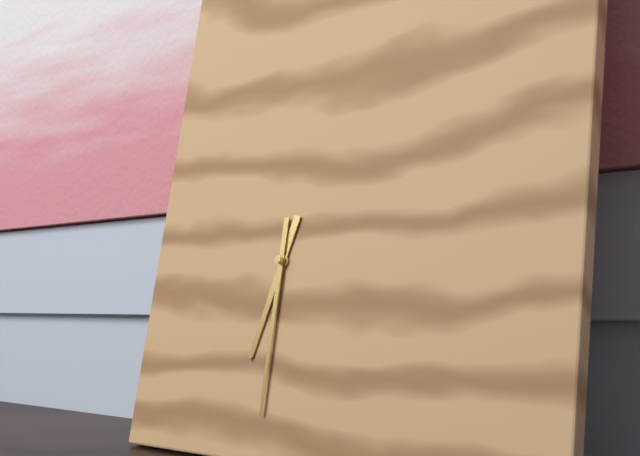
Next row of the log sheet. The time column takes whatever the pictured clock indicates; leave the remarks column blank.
6:30
